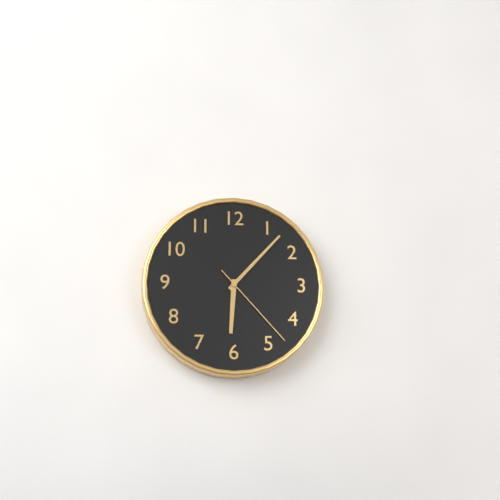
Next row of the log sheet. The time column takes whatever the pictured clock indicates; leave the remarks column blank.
6:07:23
